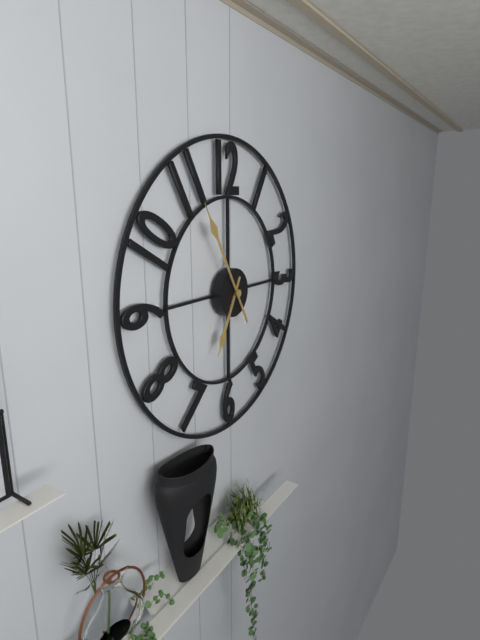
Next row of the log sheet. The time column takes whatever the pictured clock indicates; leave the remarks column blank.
6:55
